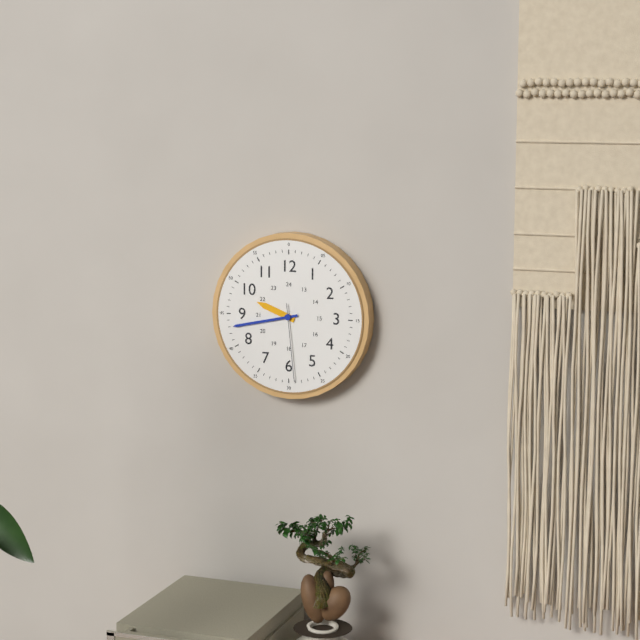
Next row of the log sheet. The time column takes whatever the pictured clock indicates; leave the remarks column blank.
9:43:29
